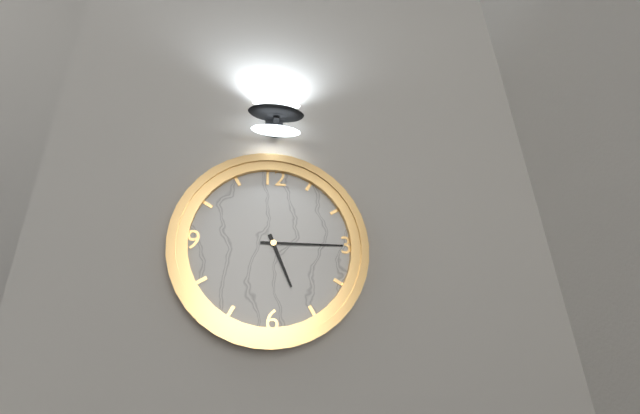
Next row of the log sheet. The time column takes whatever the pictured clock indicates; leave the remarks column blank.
5:15
